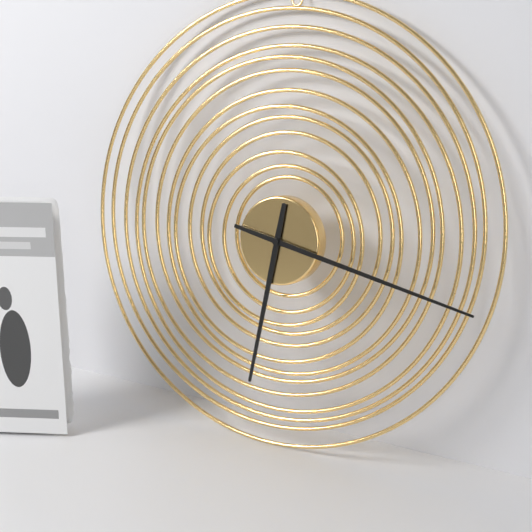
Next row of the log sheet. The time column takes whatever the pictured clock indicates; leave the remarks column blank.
6:17
